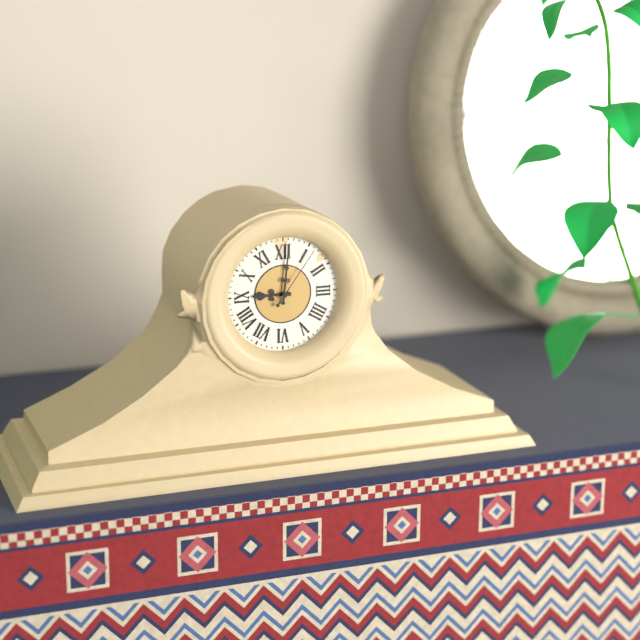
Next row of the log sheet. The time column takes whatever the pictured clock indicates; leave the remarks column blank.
9:01:06
